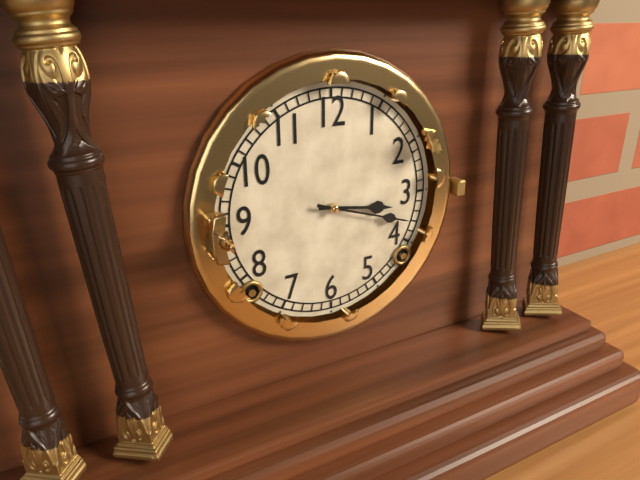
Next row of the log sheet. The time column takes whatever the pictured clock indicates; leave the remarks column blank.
3:18
